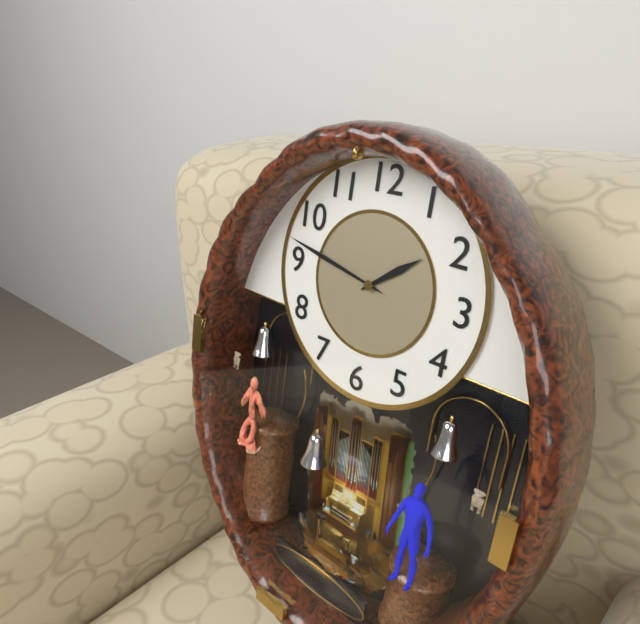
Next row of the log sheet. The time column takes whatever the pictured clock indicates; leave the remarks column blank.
1:47
